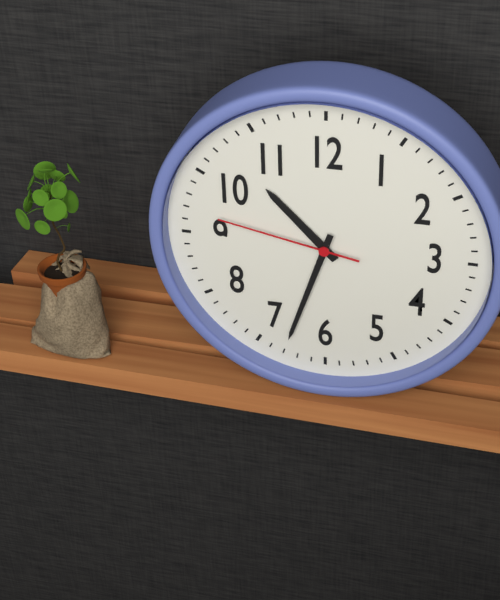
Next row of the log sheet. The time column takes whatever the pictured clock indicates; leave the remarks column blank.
10:33:47
